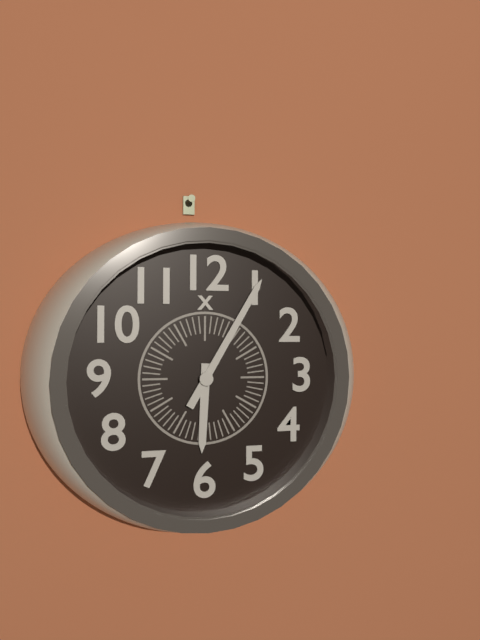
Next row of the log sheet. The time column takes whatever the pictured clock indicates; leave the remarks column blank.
6:05
